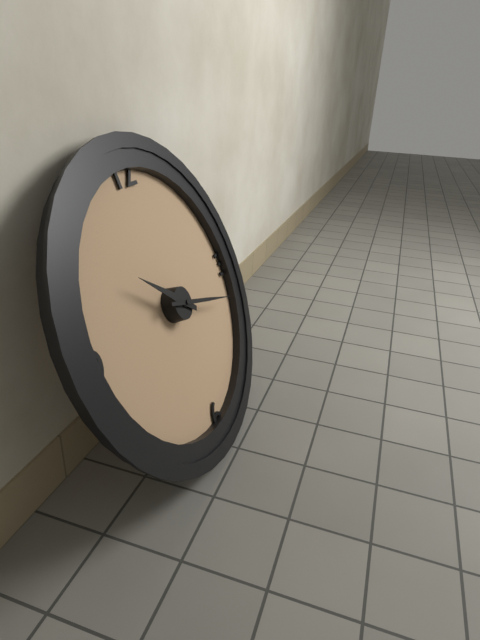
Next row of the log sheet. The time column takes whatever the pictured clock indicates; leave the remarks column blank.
10:18
